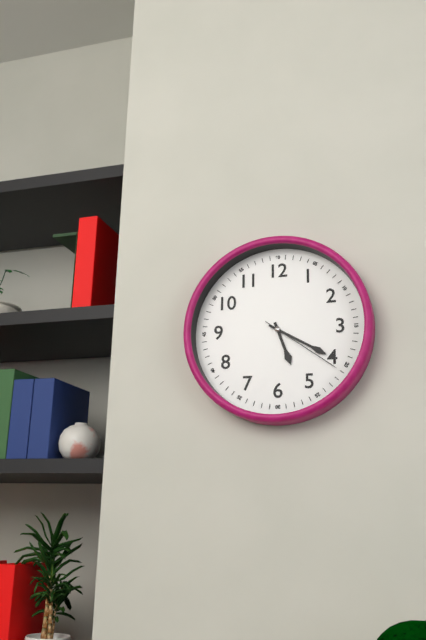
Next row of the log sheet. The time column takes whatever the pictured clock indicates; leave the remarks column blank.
5:20:21
